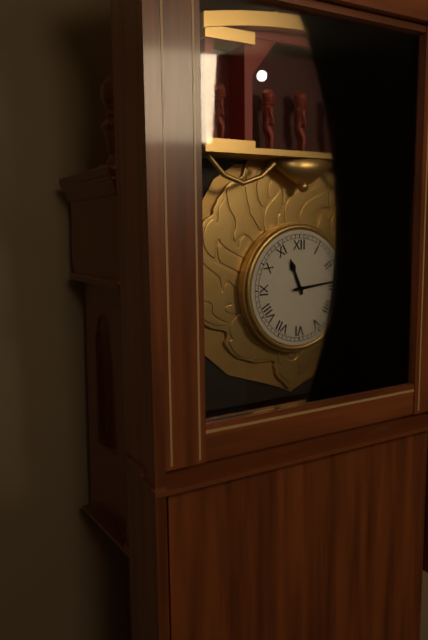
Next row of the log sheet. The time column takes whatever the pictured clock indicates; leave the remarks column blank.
11:14
